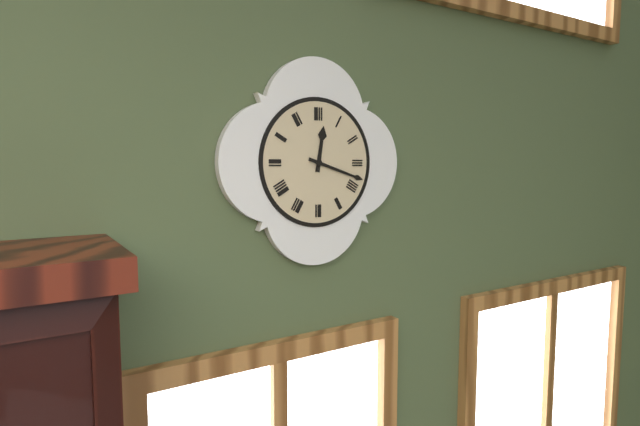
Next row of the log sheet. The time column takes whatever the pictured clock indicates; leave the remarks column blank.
12:18
